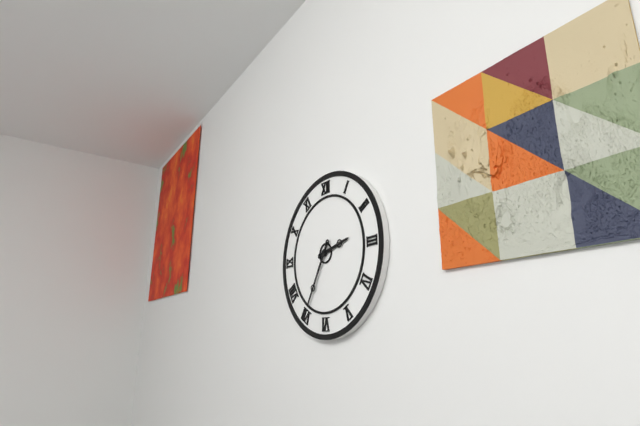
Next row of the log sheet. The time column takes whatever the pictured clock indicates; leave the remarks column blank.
2:35
